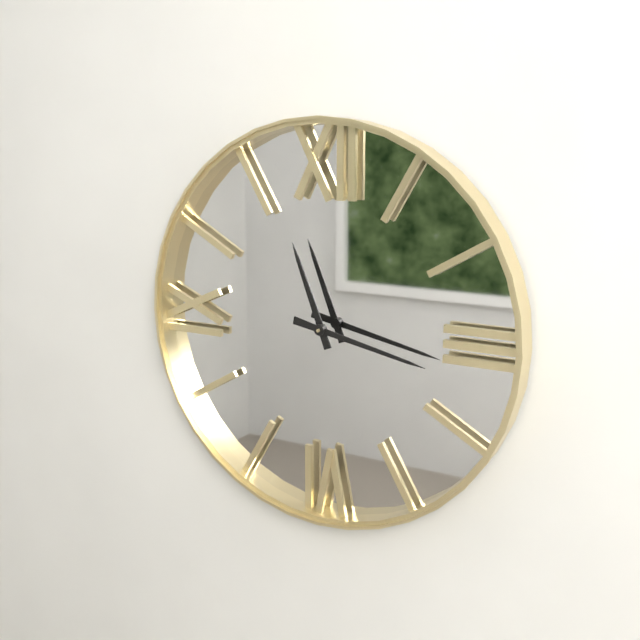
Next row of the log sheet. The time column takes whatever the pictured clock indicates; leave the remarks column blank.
11:17
